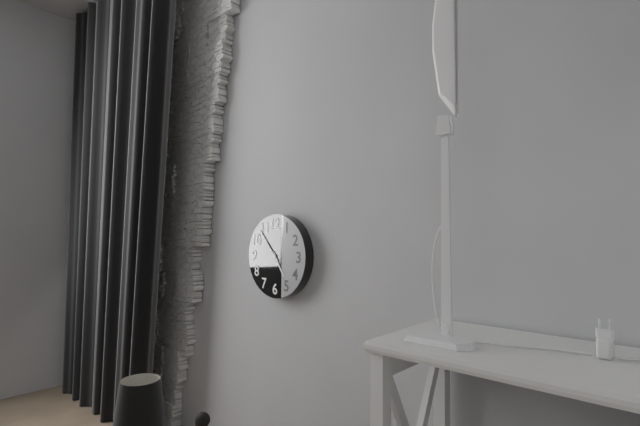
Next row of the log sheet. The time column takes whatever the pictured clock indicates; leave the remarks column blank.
4:53
